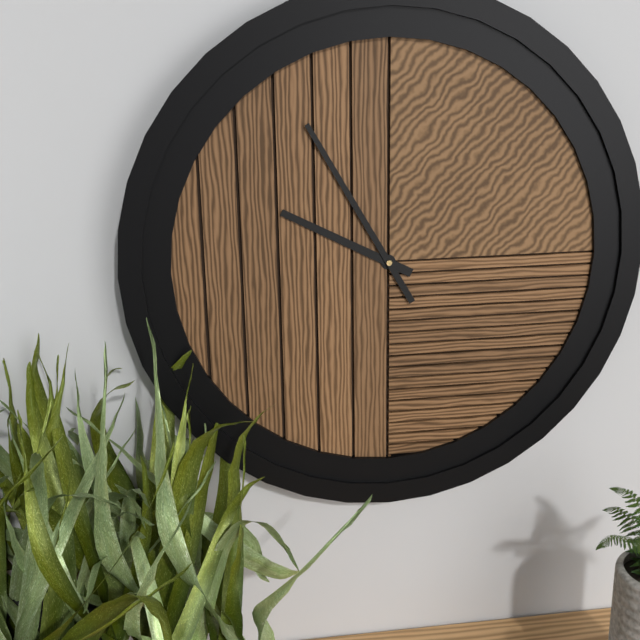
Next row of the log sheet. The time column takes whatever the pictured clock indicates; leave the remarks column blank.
9:55
